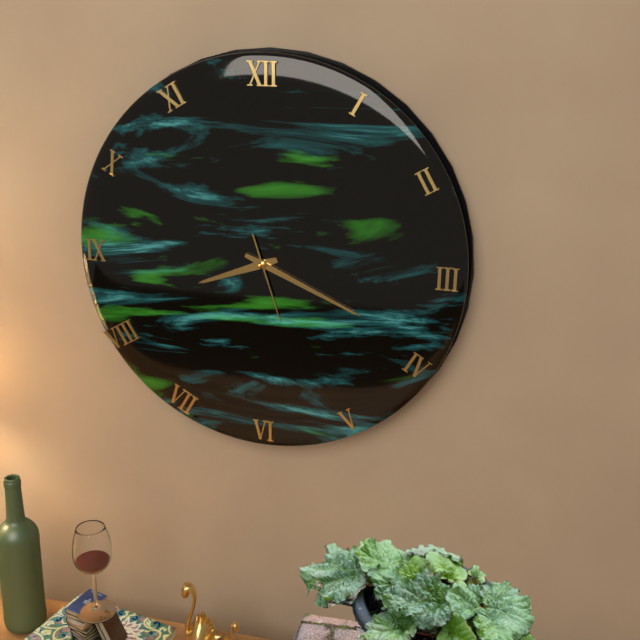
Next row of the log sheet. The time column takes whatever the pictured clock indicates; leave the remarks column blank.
8:19:27
